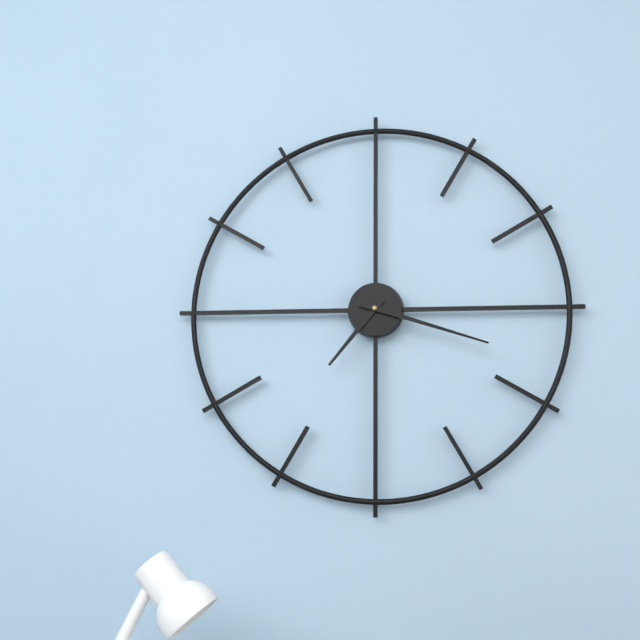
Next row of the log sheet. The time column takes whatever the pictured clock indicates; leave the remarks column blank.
7:18
